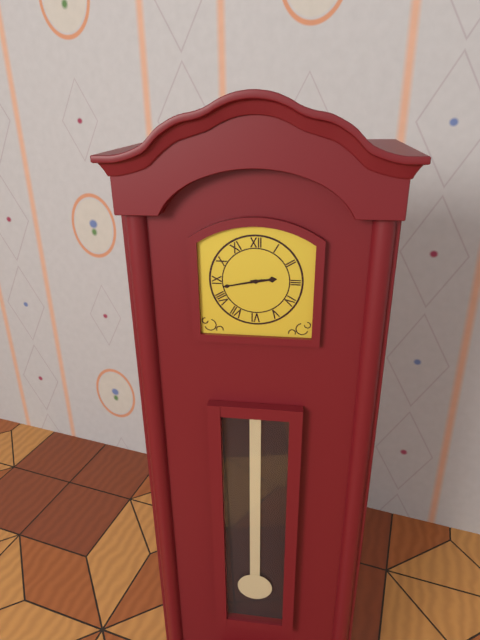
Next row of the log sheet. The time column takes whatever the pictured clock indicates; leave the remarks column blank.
2:43
